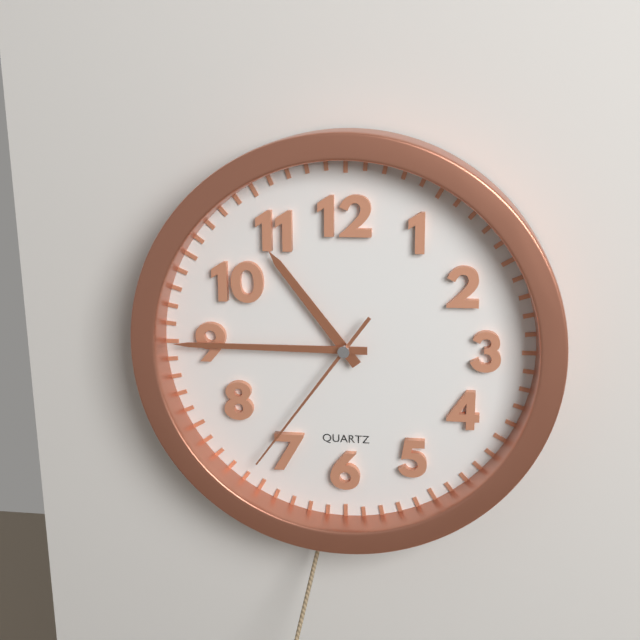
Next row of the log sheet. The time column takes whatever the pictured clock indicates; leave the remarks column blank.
10:45:36
